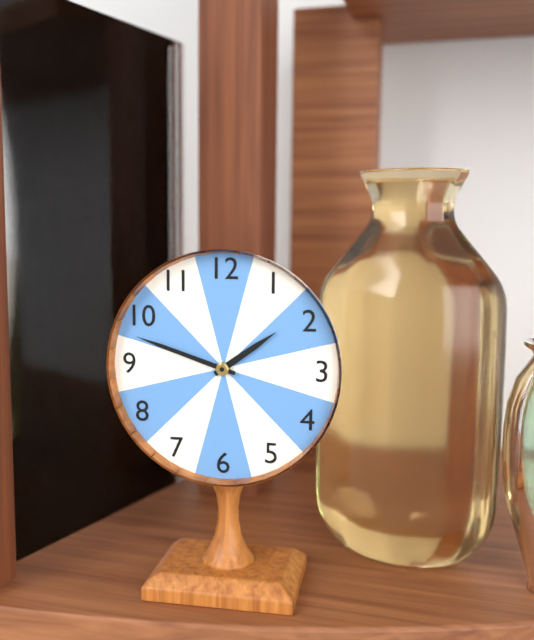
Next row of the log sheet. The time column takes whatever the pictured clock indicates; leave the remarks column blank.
1:48
